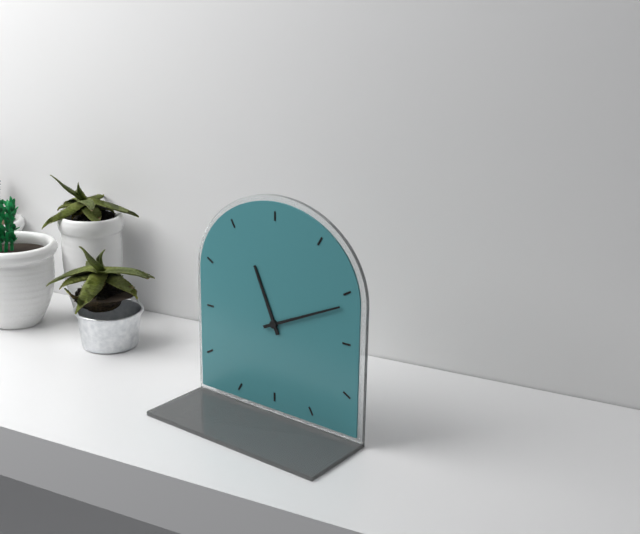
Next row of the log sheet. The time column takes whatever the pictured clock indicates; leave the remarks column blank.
11:11
